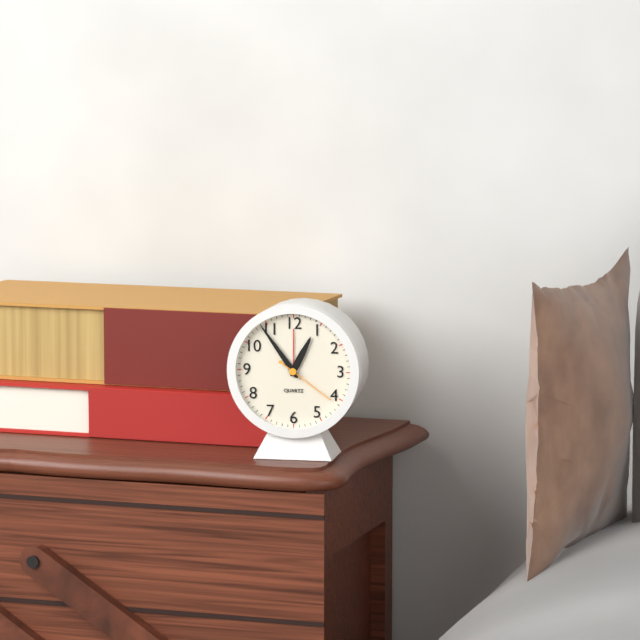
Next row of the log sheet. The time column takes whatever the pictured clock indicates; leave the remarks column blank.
12:54:21
